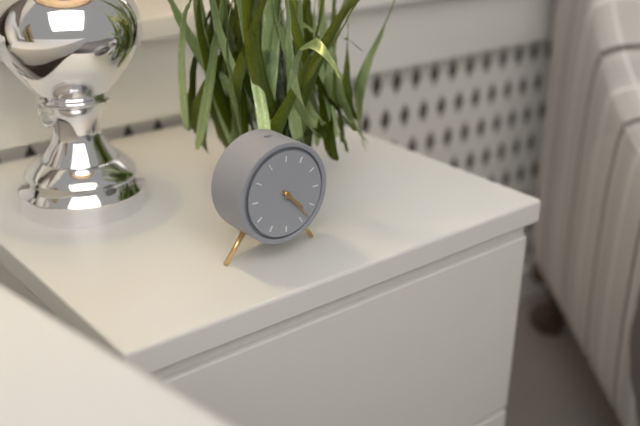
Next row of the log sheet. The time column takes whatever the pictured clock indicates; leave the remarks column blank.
4:23
